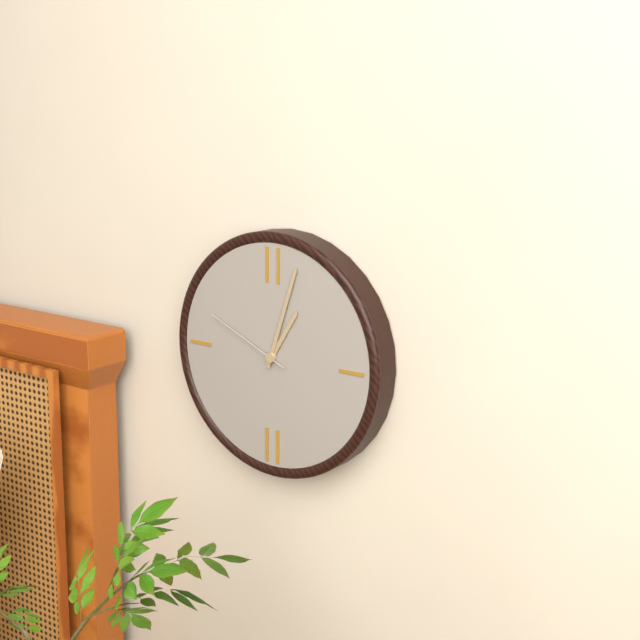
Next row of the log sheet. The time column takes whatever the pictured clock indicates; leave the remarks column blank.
1:03:49
